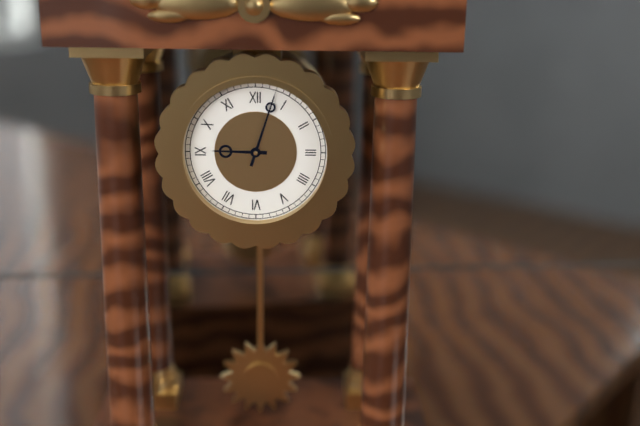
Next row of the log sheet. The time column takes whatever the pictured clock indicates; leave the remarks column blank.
9:03
